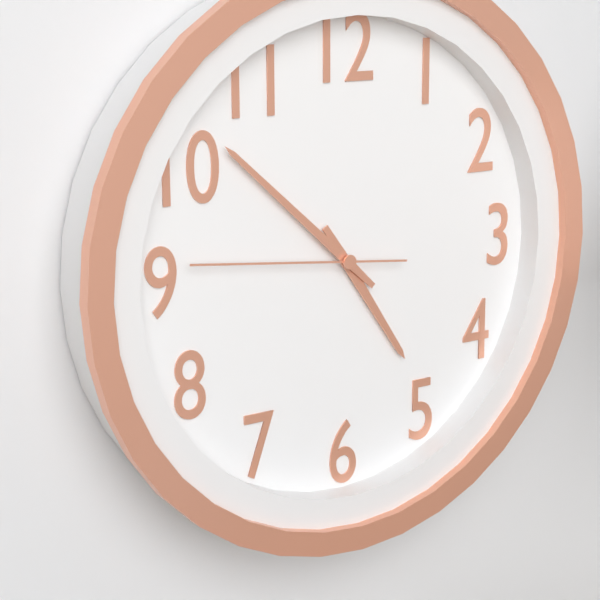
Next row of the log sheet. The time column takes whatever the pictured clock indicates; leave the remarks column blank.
4:52:46
